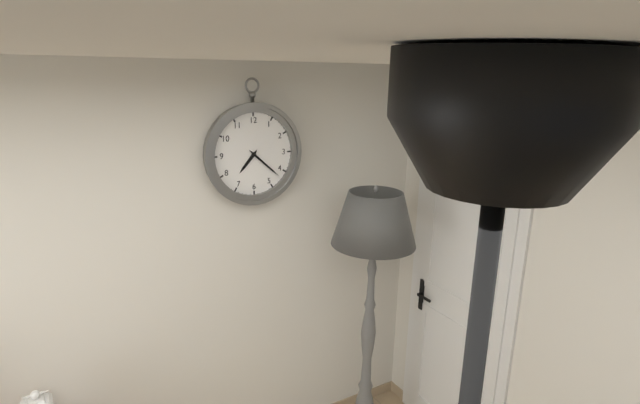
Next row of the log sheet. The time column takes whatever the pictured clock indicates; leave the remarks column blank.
7:22
